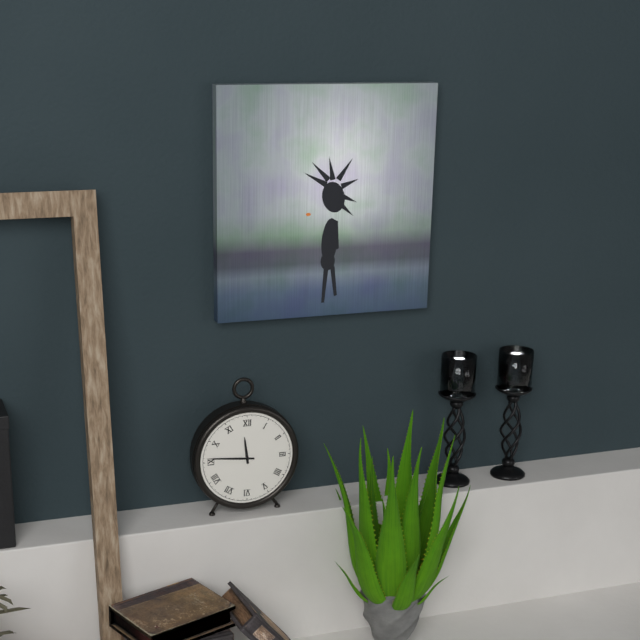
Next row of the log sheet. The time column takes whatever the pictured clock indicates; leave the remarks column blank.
11:46
